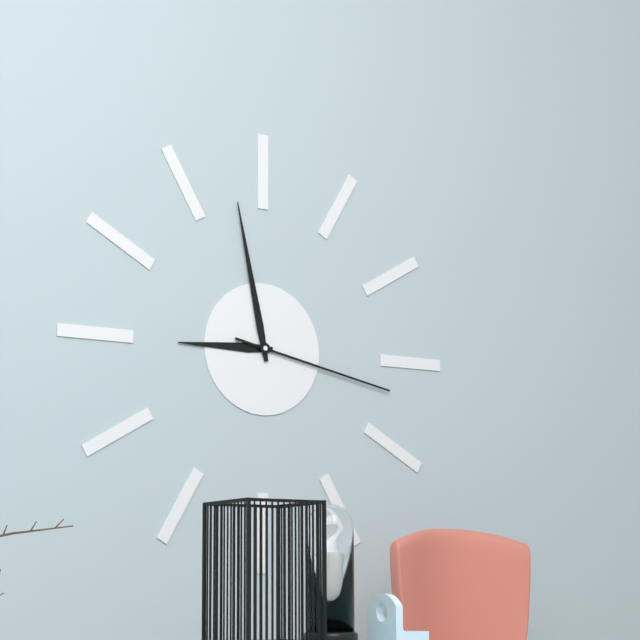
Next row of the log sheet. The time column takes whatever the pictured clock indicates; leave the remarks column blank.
8:58:17
